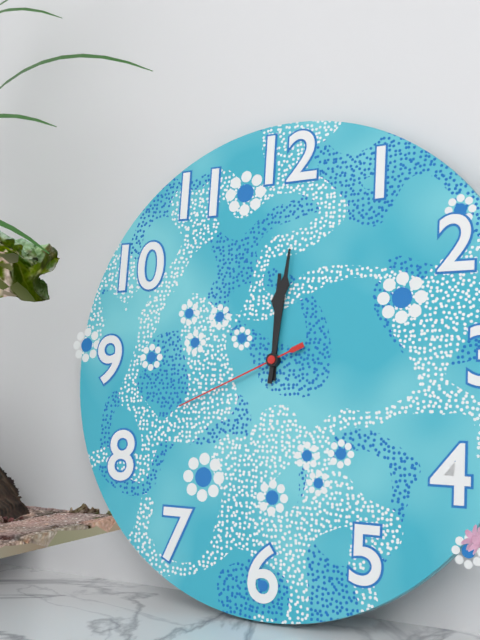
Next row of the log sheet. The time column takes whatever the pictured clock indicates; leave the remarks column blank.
12:01:41
